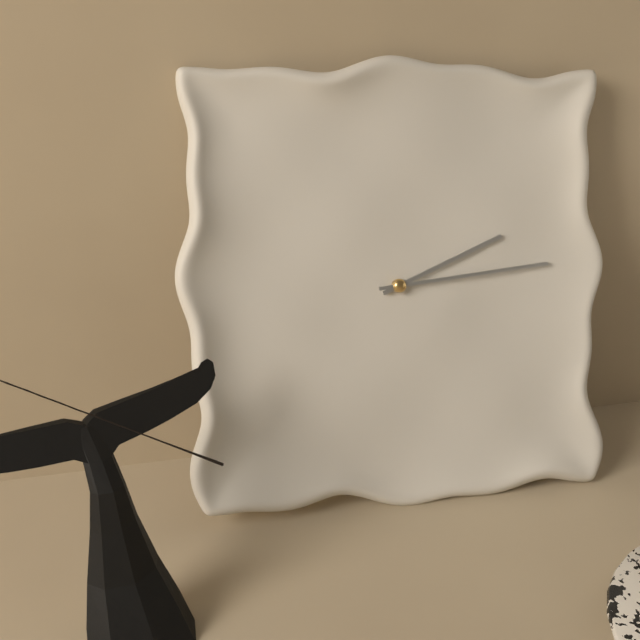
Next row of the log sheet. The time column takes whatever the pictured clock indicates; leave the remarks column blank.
2:14
